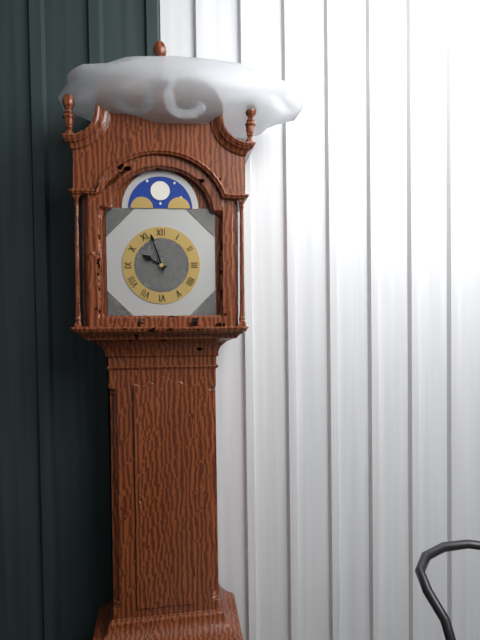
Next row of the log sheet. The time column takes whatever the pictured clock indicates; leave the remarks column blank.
9:57
